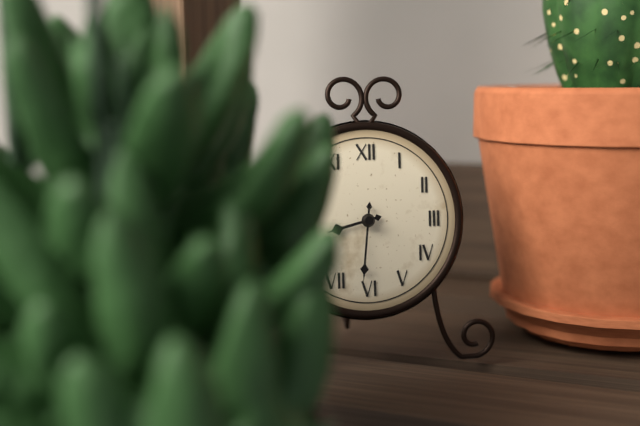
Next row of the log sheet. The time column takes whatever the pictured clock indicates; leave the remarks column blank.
8:31
